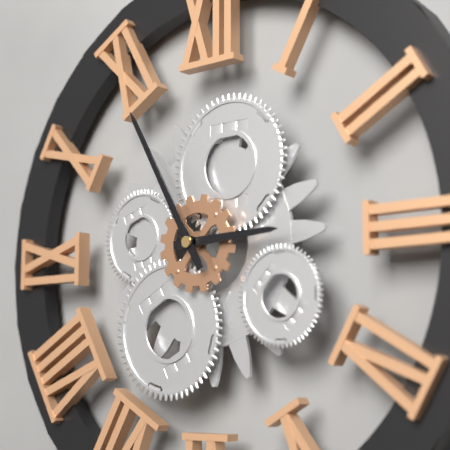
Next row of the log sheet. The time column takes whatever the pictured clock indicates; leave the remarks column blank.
2:55
